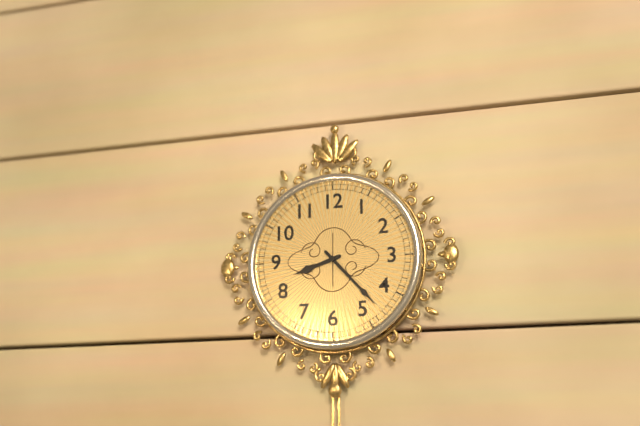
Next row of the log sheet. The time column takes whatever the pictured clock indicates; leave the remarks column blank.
8:23
